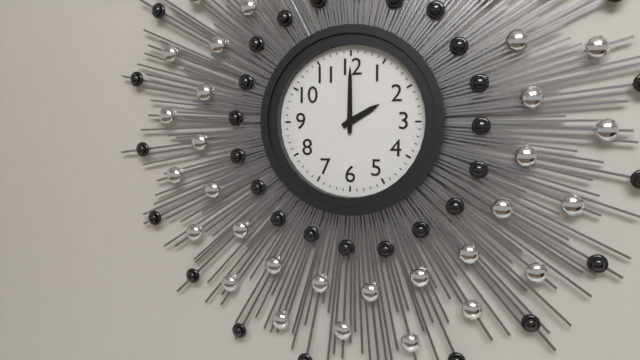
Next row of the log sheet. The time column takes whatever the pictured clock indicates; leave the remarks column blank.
2:00
